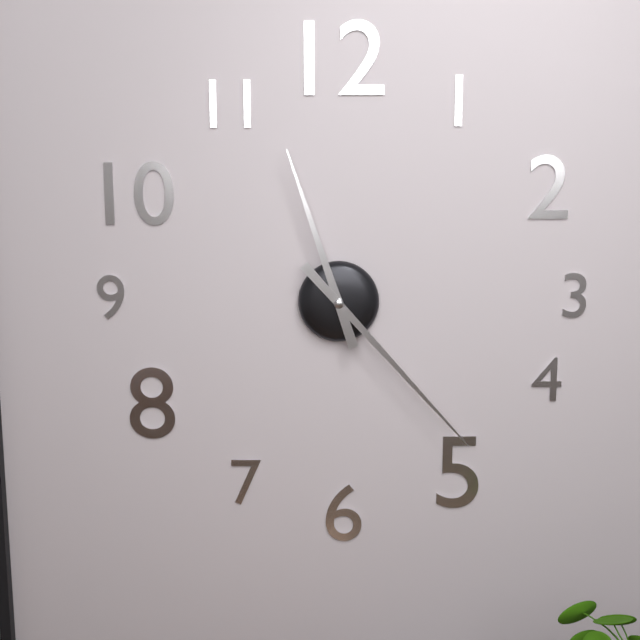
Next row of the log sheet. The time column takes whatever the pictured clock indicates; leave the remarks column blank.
11:23
